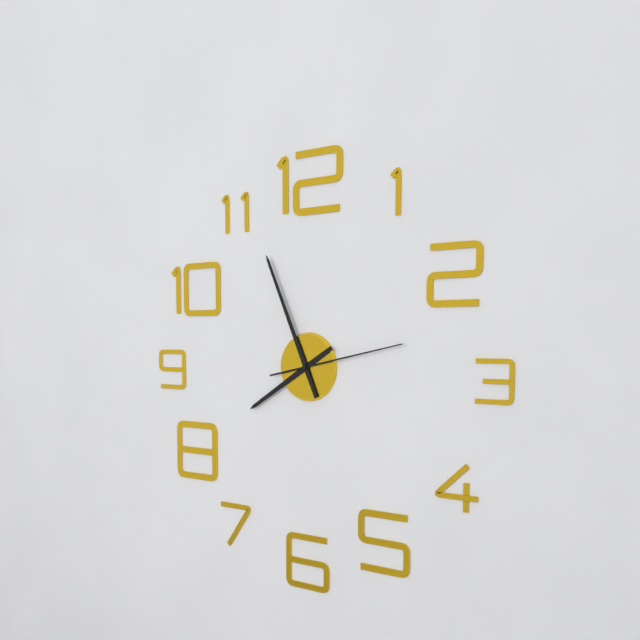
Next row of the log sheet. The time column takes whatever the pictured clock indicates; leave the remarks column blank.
7:56:13
